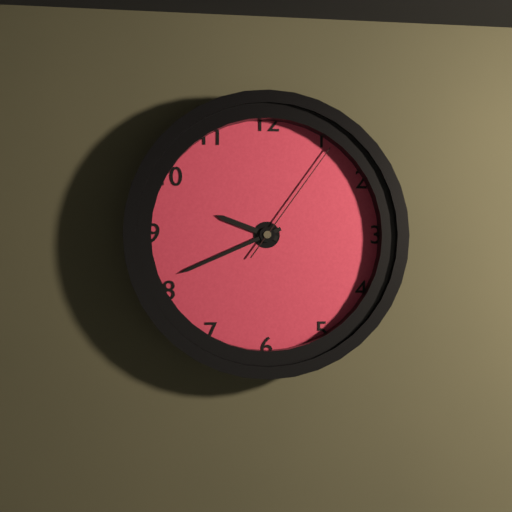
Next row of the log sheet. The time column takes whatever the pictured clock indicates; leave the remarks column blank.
9:41:06
